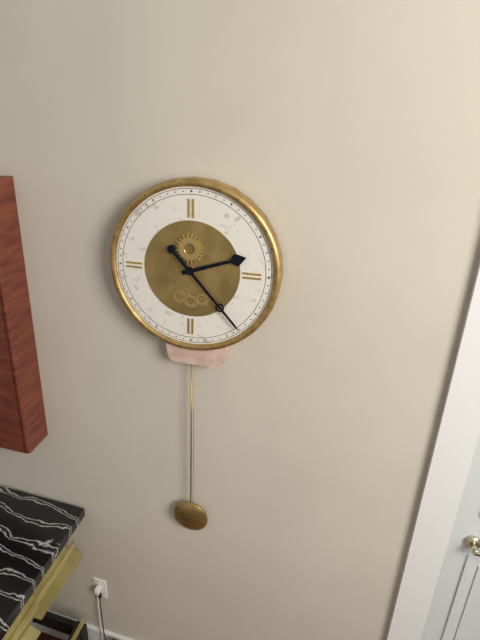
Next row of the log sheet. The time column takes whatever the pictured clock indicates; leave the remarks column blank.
2:23
